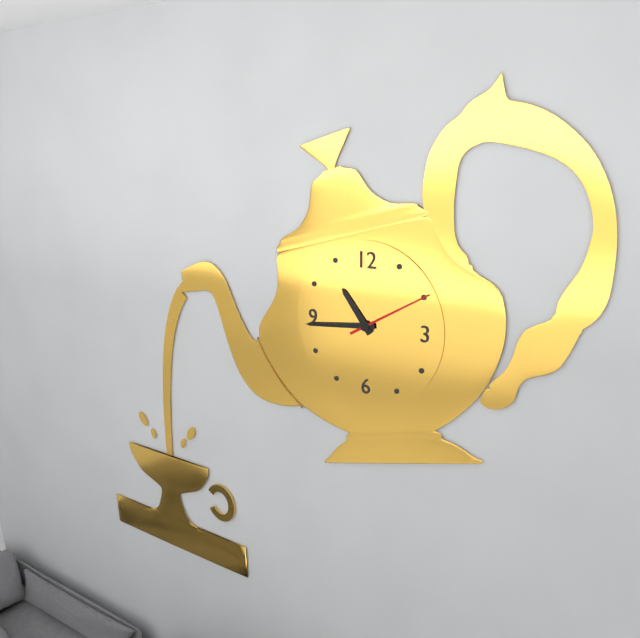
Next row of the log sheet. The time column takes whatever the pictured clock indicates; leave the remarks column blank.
10:44:10
